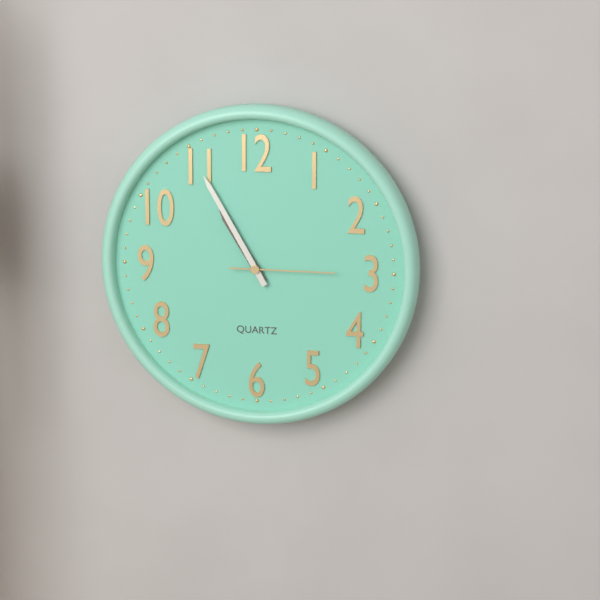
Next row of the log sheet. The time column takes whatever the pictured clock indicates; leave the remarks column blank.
10:55:15
